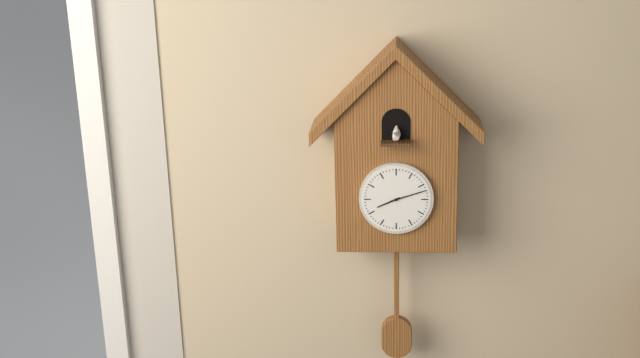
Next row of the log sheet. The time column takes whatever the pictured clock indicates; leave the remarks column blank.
8:12
